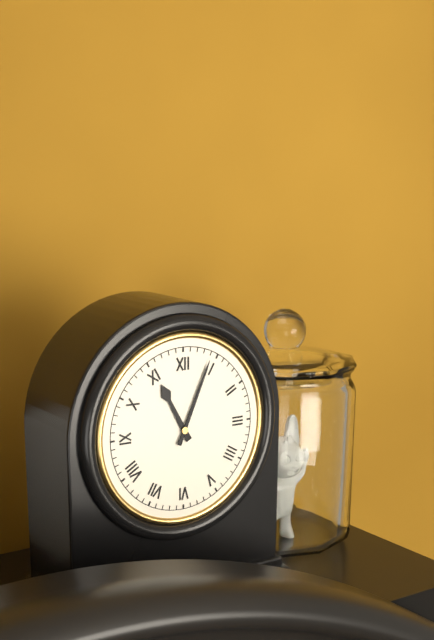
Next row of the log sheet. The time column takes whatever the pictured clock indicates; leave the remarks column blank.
11:04
